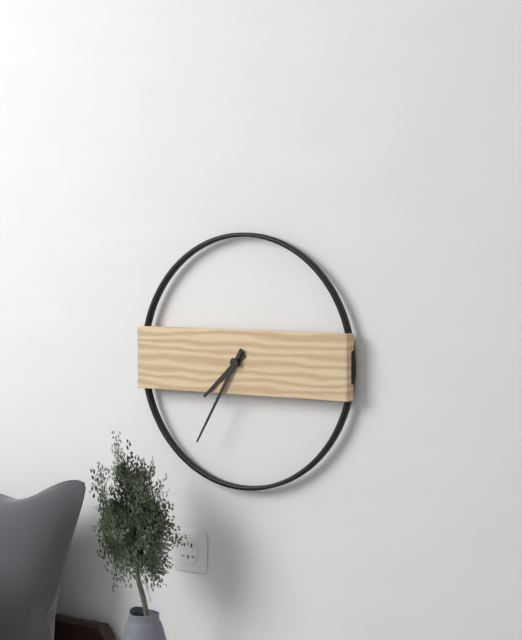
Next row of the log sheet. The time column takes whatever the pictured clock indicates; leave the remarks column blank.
7:35
